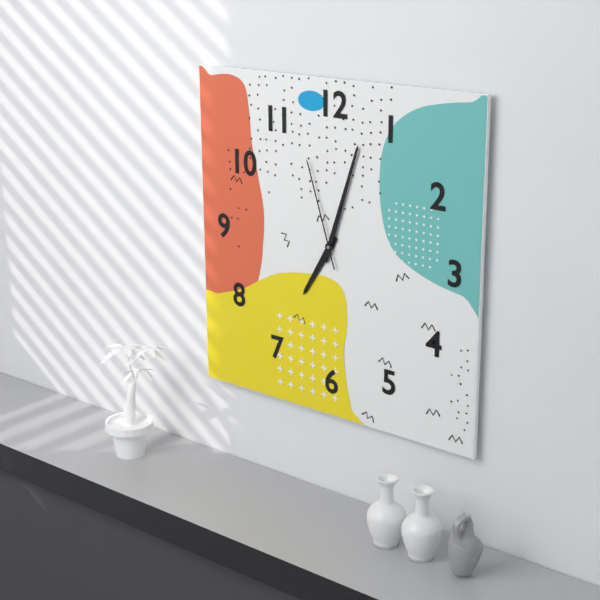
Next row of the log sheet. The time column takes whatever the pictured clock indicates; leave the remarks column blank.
7:03:57
